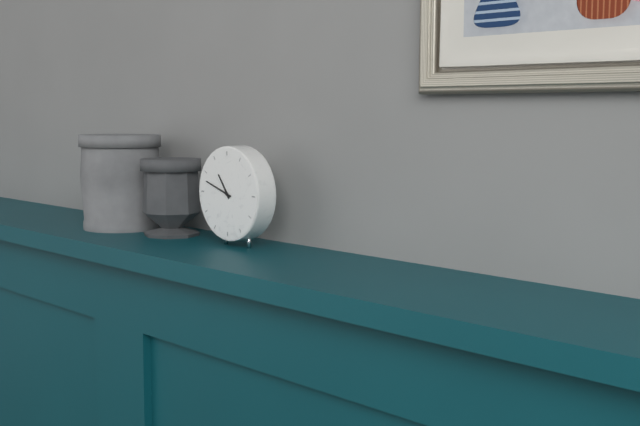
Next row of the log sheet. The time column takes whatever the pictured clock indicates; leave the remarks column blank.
10:48
